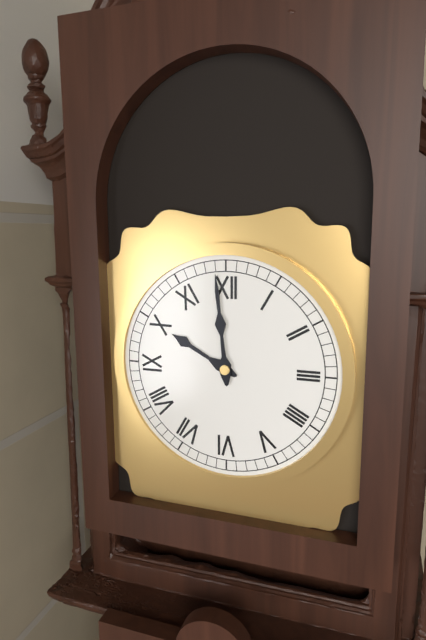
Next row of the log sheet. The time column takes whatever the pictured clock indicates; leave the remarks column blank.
9:59
